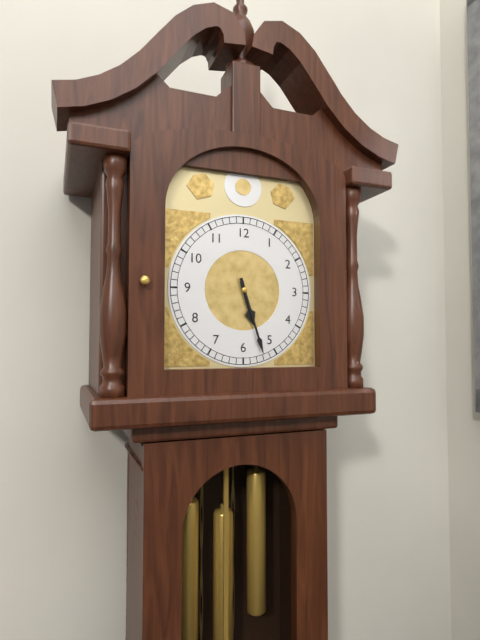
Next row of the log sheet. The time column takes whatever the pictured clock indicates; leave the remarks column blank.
5:27
